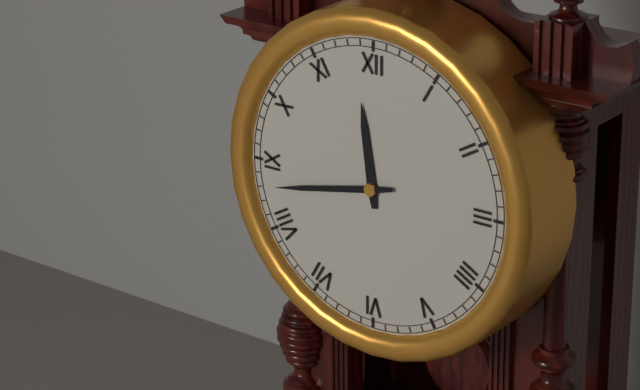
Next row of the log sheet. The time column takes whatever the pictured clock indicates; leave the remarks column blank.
11:43
